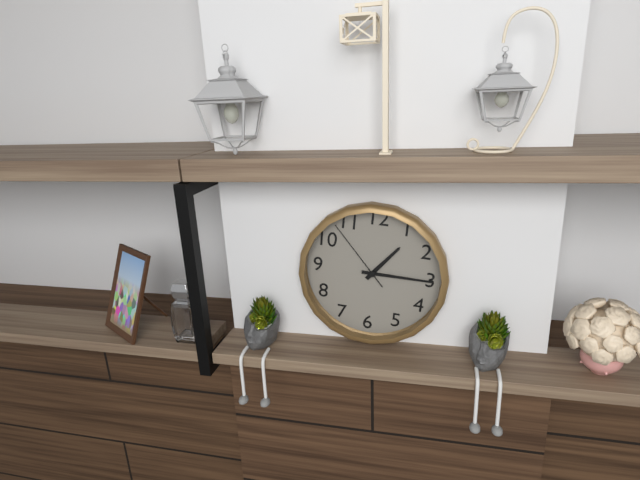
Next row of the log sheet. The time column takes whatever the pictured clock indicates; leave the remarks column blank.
1:15:53
